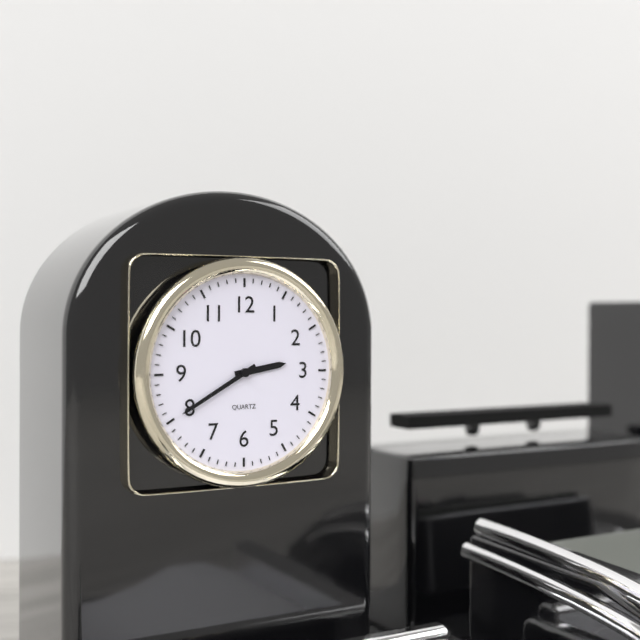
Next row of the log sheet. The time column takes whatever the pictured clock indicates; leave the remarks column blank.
2:40
